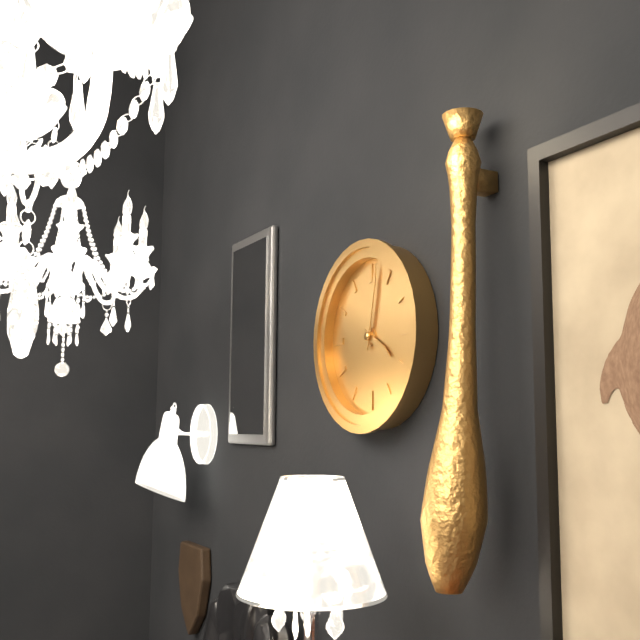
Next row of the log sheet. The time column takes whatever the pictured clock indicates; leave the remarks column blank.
4:02
